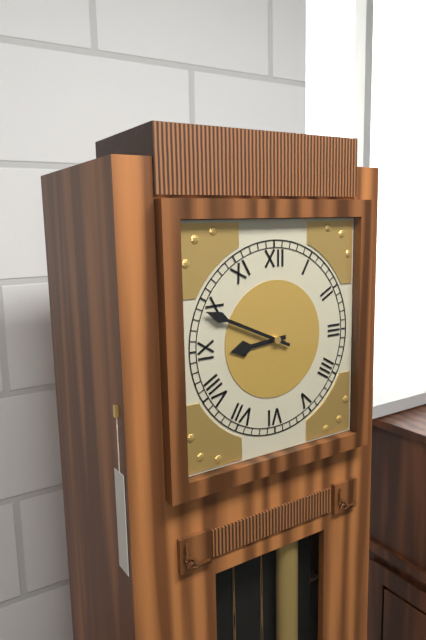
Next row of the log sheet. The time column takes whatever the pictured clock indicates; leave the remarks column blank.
8:49
